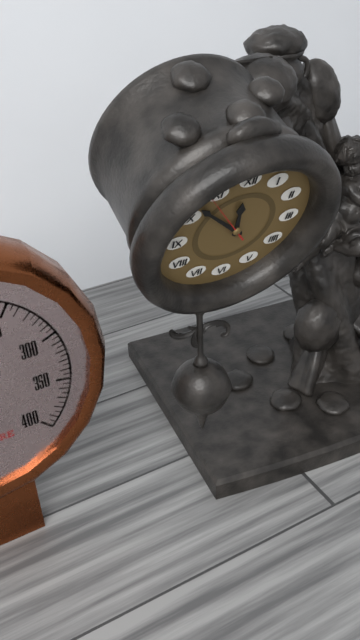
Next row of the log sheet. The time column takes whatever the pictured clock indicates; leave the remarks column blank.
11:52:54
